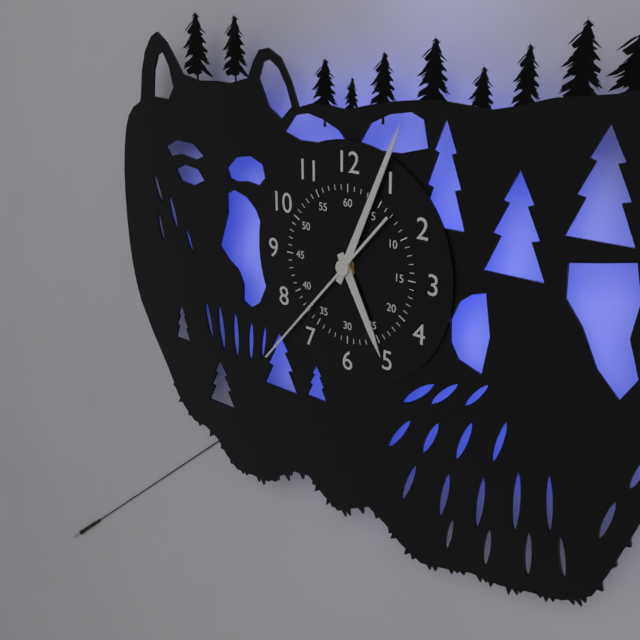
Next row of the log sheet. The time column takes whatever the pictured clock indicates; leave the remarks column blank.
5:04:37
